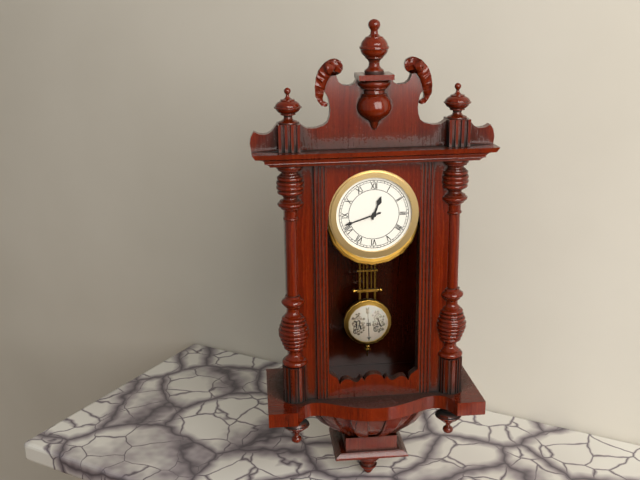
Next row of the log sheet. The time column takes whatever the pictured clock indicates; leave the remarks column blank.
12:42
